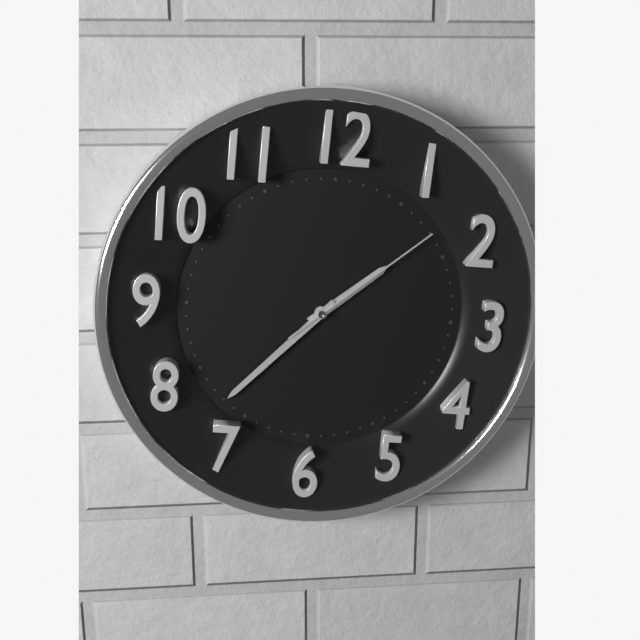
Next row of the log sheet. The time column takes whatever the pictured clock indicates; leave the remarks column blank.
1:37:08
